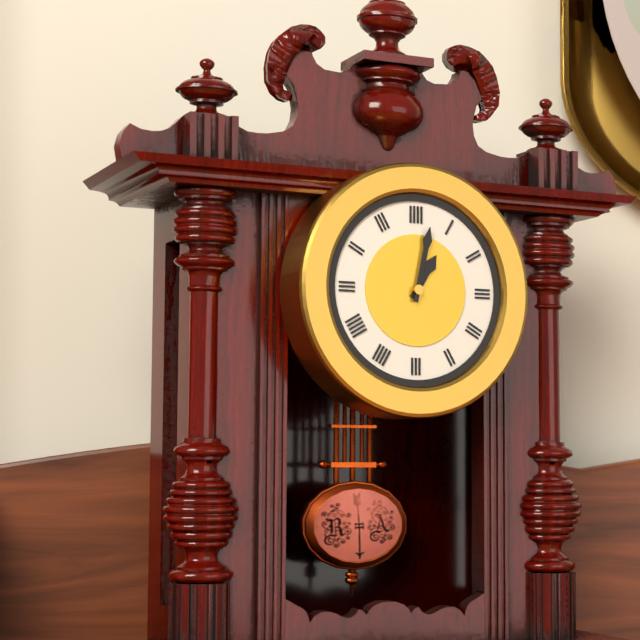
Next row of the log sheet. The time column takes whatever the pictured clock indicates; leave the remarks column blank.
1:02
